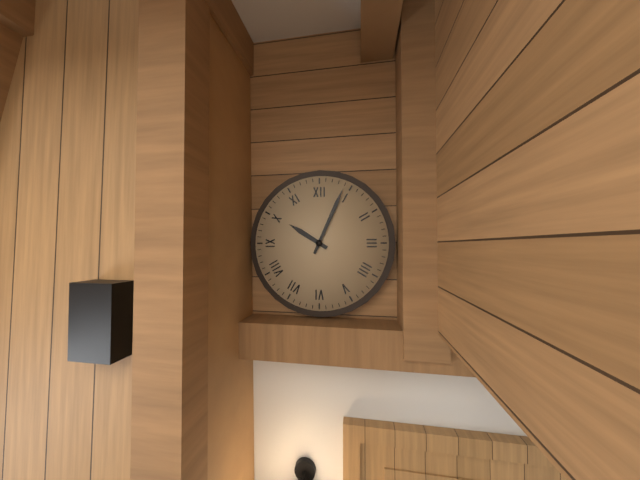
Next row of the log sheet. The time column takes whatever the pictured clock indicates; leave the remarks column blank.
10:04
